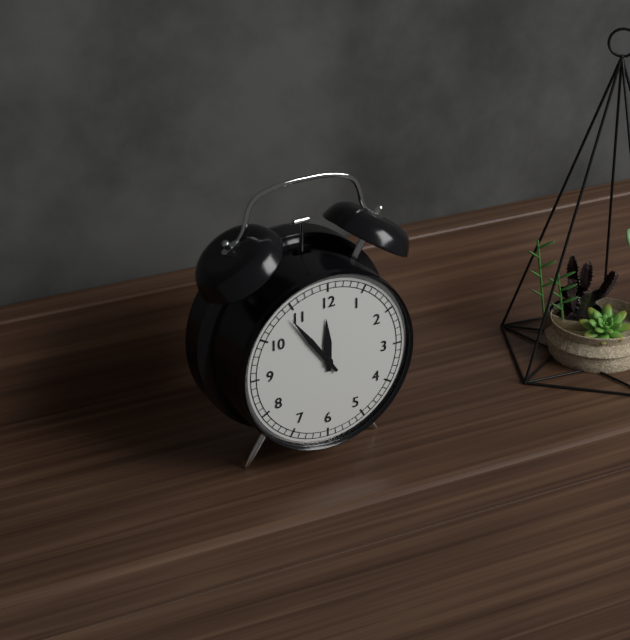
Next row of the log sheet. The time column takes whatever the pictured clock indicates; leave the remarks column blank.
11:54
